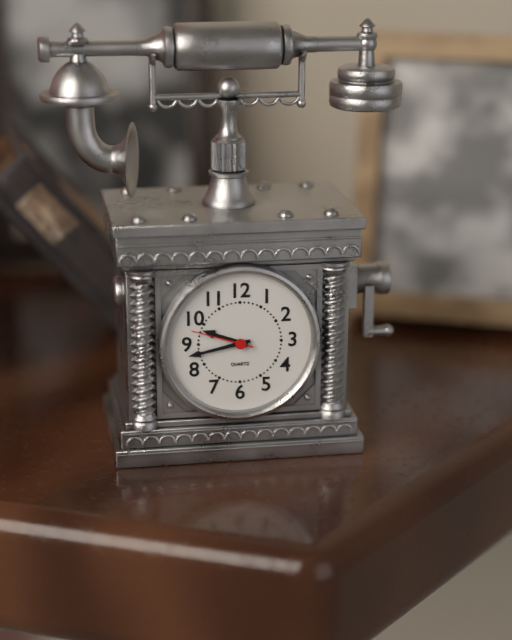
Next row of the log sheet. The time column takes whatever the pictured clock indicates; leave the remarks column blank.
9:43:48
